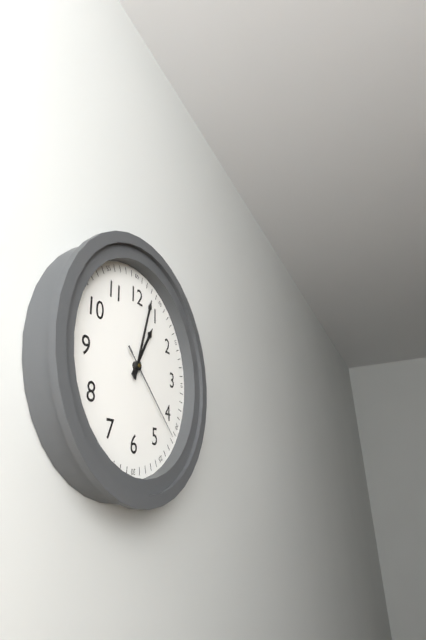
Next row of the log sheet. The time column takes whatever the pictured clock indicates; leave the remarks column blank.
1:03:22
